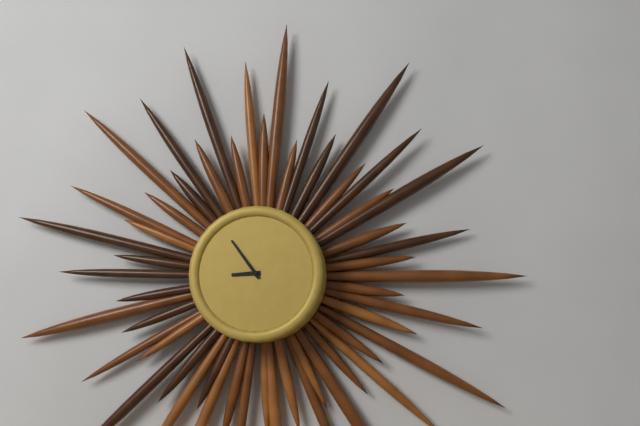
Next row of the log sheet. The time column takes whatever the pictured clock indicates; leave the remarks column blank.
8:54
